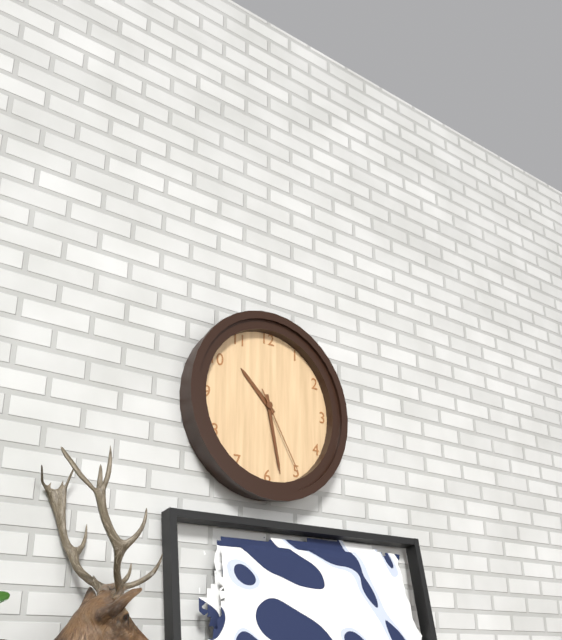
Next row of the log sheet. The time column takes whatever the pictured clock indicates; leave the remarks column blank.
10:28:25
